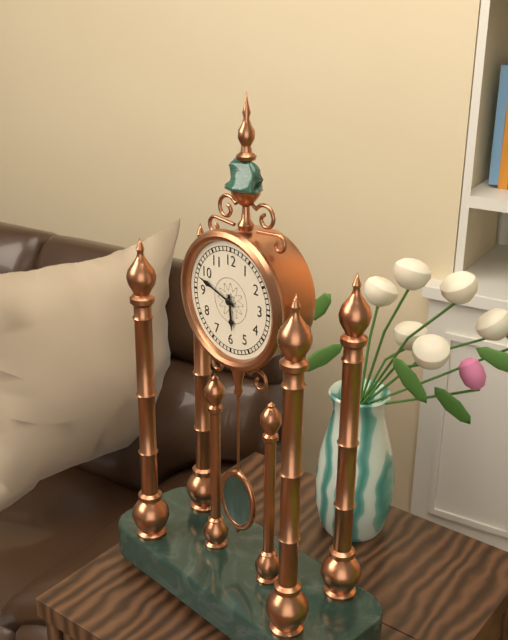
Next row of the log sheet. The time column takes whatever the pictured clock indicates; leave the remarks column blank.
5:48
